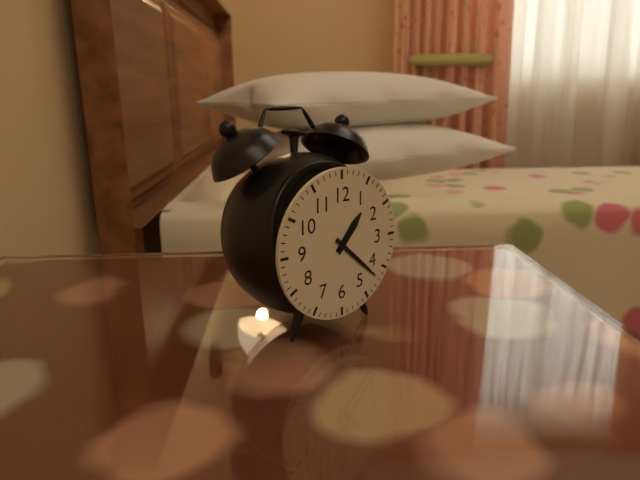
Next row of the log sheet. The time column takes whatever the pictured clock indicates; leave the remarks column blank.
1:22
